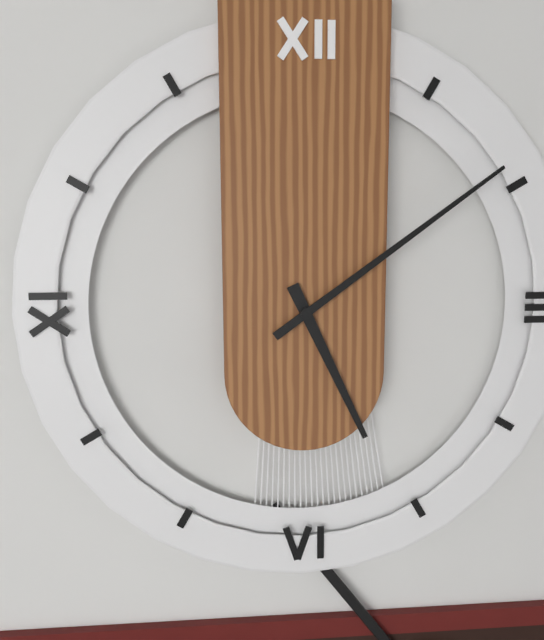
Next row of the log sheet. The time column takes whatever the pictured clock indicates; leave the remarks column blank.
5:09
